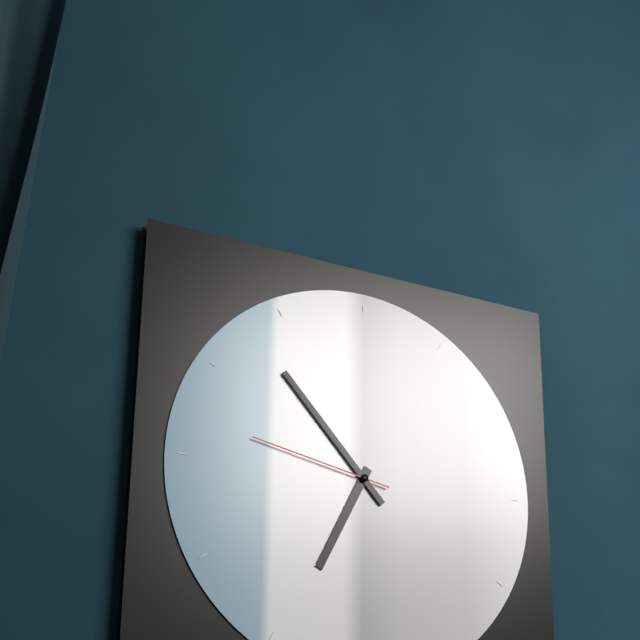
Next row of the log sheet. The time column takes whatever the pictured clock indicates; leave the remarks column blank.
6:53:47
